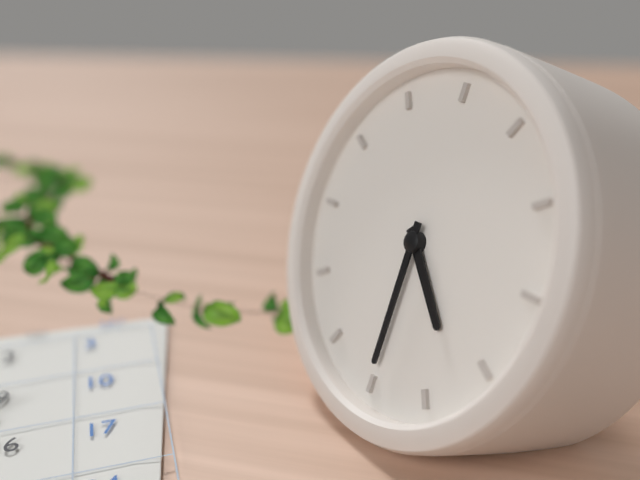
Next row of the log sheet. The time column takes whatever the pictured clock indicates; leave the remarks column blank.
4:30
